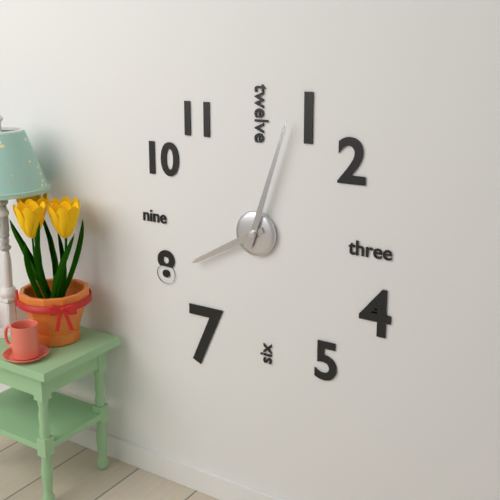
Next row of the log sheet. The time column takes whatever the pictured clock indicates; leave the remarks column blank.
8:03
